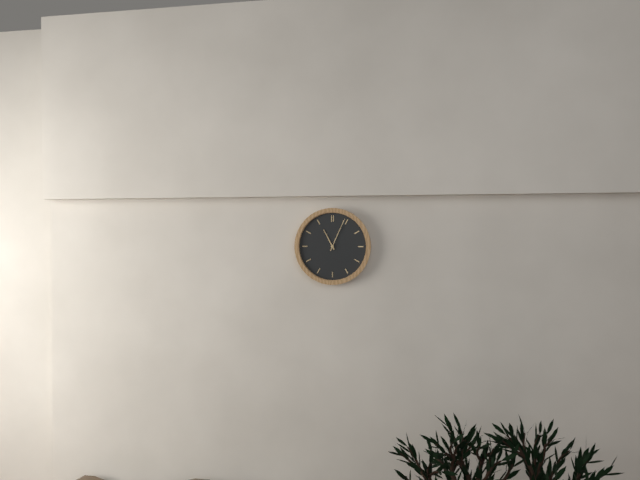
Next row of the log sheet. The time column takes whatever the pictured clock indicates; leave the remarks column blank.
11:04
